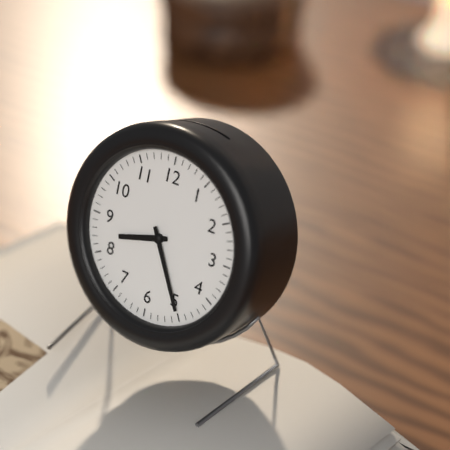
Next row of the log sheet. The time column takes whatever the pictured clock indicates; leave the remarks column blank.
8:25
